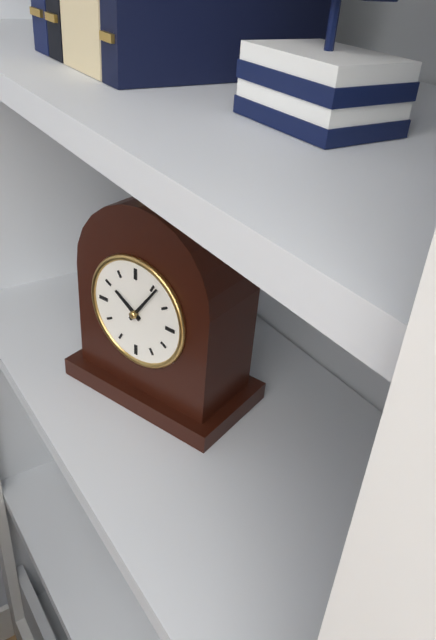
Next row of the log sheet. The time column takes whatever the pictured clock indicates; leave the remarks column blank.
10:06
